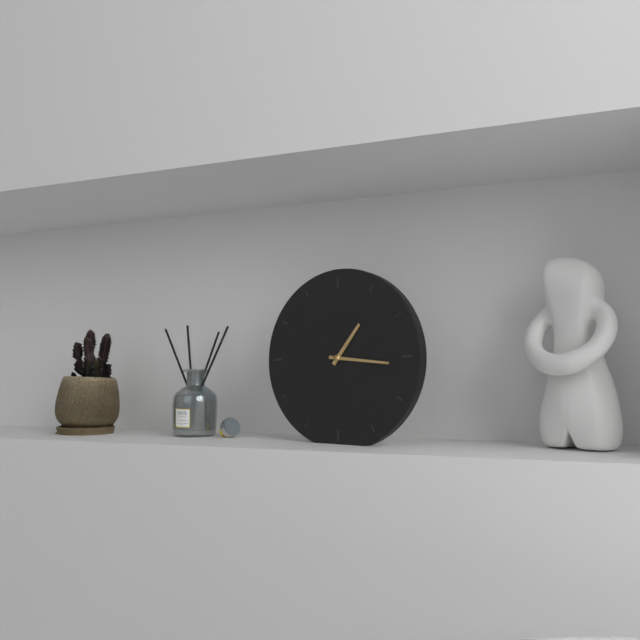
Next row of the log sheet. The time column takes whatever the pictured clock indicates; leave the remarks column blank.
1:16
